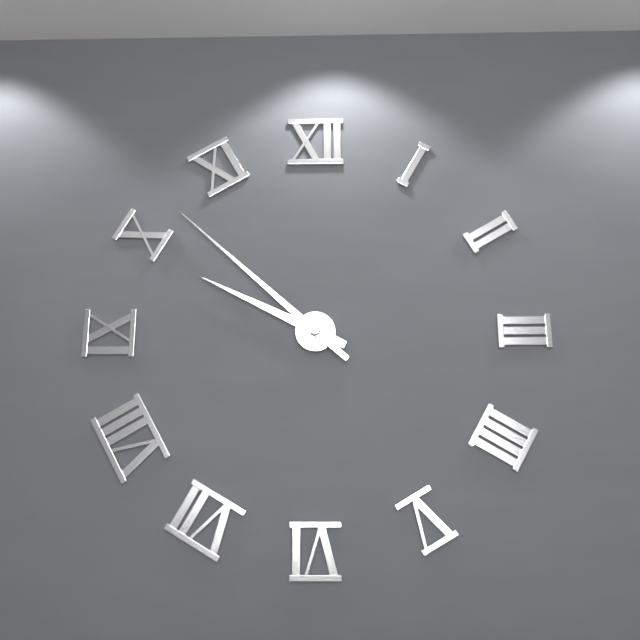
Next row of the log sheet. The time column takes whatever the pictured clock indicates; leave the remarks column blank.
9:52
